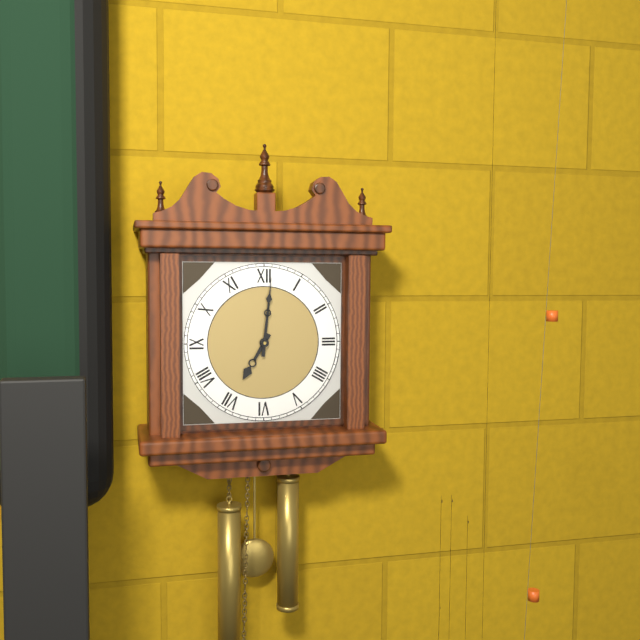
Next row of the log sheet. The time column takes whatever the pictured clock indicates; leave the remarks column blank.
7:01
